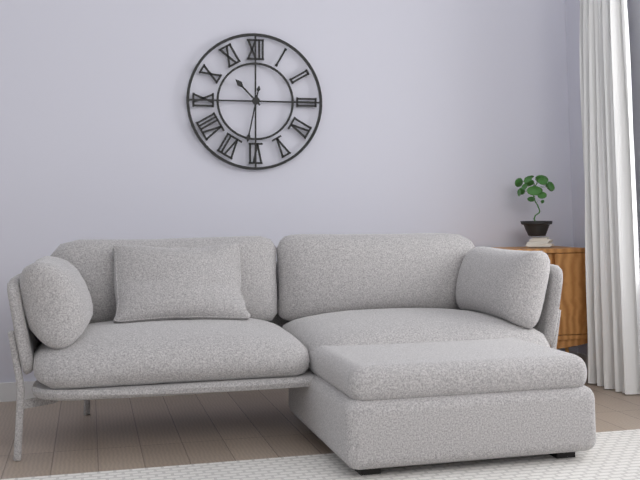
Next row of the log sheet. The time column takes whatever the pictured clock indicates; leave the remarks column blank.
10:32
